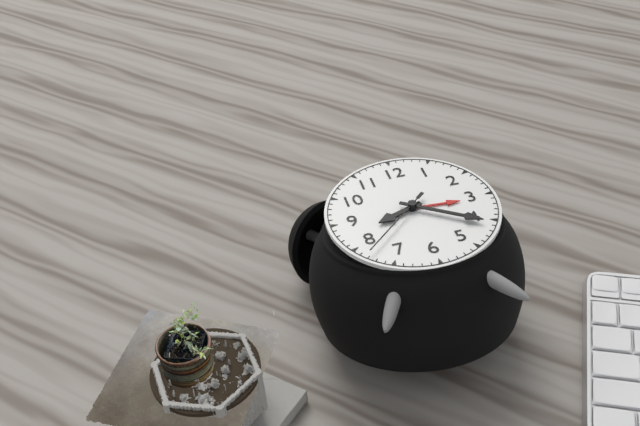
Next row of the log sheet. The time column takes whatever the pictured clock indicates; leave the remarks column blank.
8:21:38
